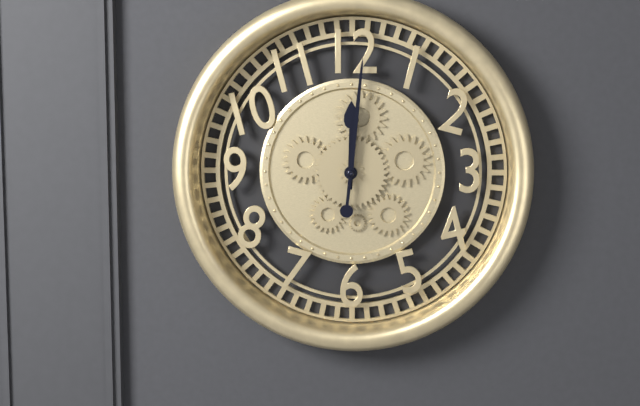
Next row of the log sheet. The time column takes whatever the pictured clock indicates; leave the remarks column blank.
12:01
